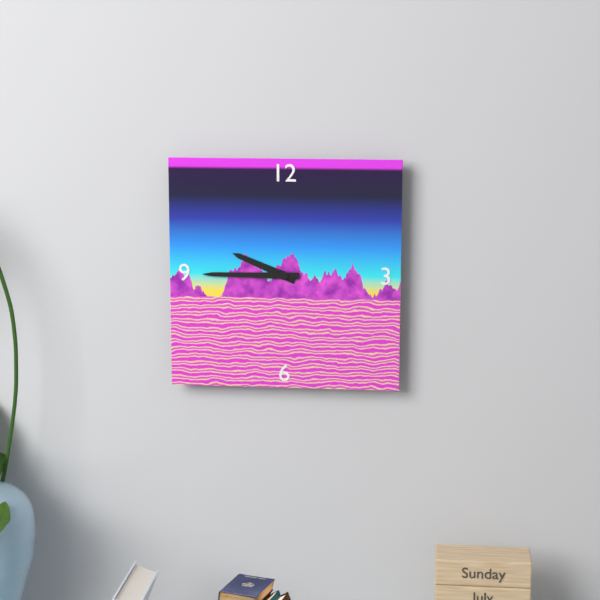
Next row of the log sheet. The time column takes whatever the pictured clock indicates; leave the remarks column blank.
9:45
